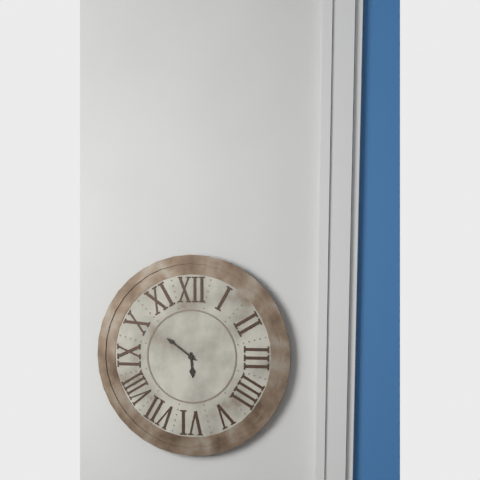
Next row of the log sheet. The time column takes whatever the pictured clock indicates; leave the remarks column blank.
5:51
